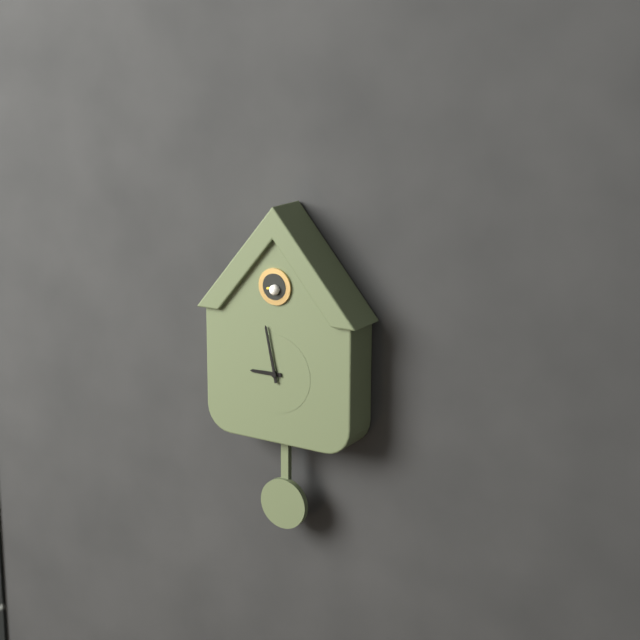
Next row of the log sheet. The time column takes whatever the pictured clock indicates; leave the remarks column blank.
8:58
